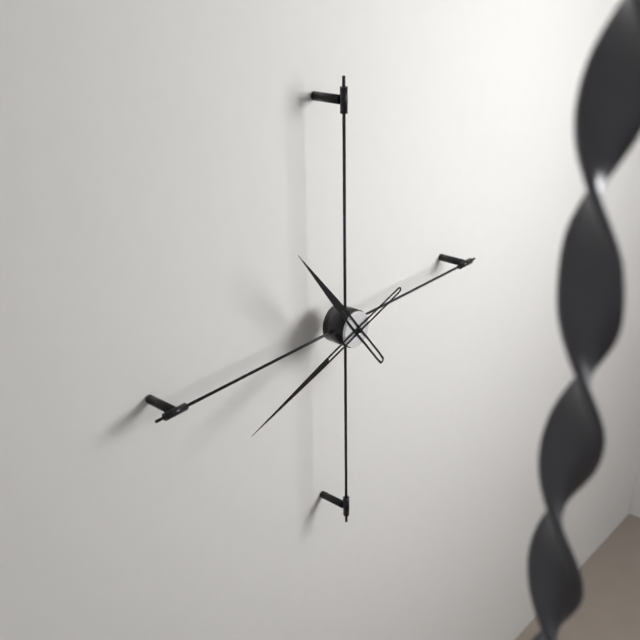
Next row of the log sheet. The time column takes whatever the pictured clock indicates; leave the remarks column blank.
10:42
